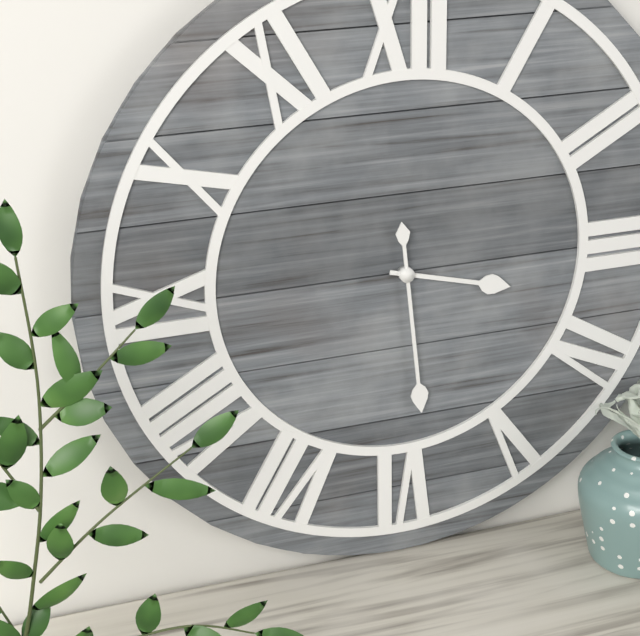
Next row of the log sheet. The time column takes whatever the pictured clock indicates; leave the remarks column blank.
3:29
